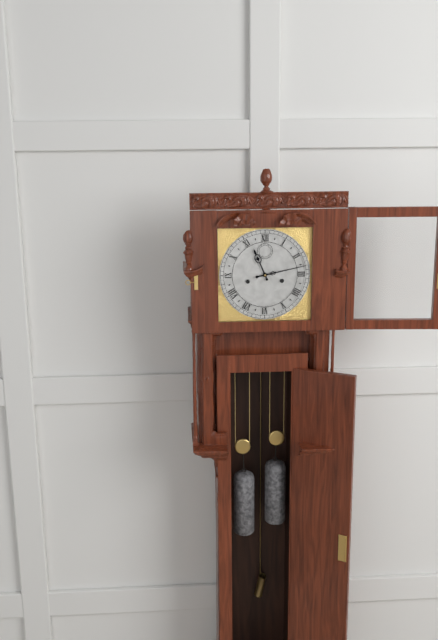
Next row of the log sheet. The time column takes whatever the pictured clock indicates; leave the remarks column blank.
11:13
